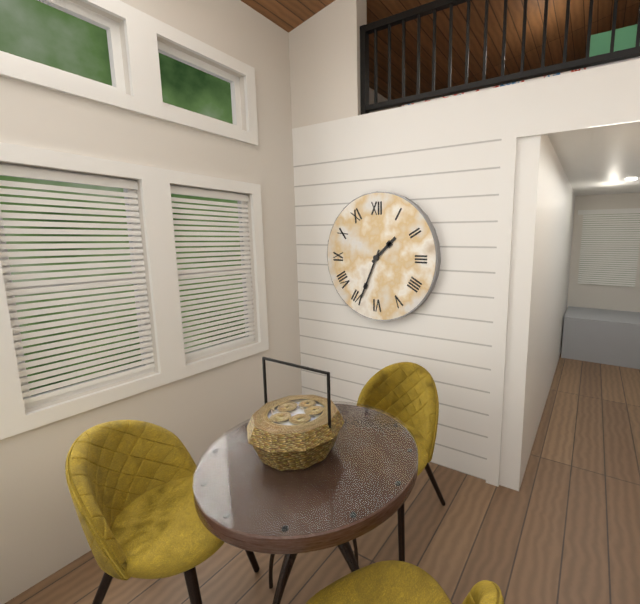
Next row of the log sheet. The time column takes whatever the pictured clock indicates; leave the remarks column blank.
1:34
